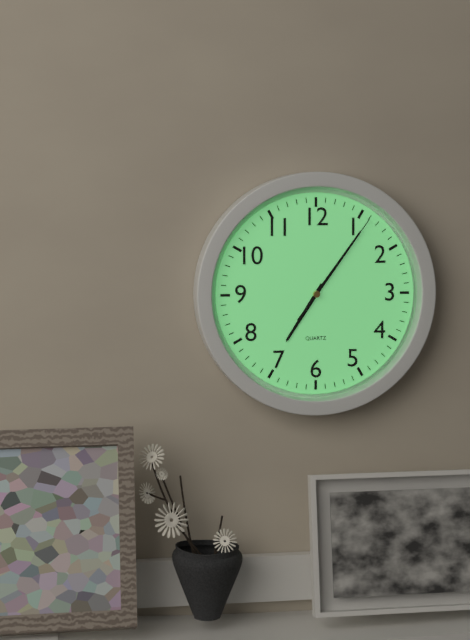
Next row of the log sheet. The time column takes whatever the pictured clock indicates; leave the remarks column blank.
7:06:06
